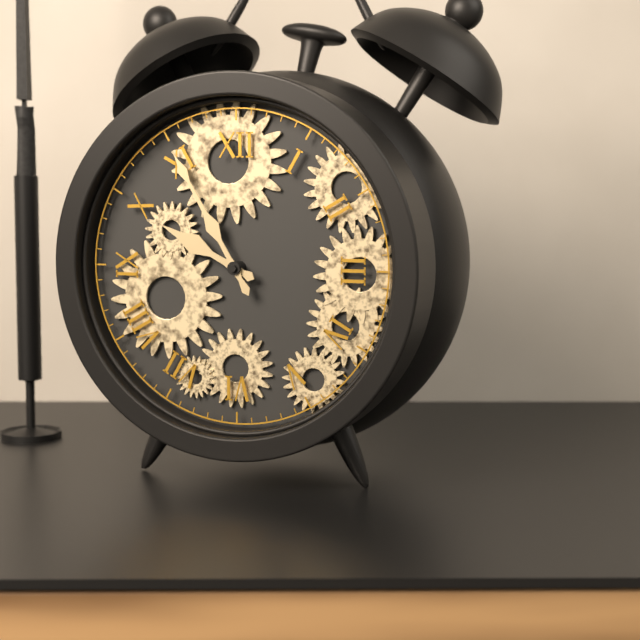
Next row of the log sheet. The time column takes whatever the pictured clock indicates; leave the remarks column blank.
9:55
